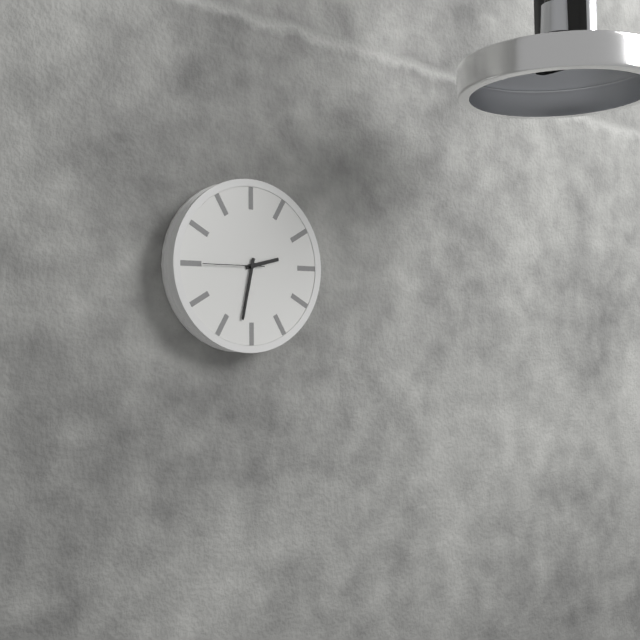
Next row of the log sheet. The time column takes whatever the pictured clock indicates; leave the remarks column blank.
2:32
